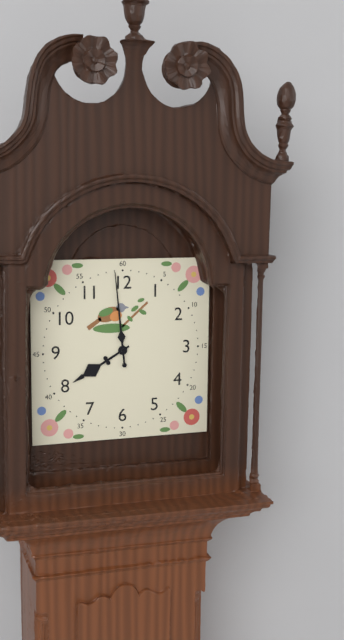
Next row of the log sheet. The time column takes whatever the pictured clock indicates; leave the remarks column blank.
7:59
